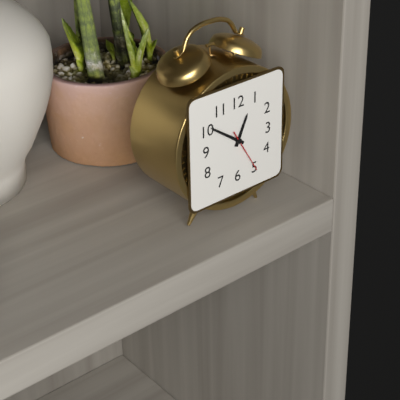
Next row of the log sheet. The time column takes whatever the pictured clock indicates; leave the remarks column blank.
12:51
